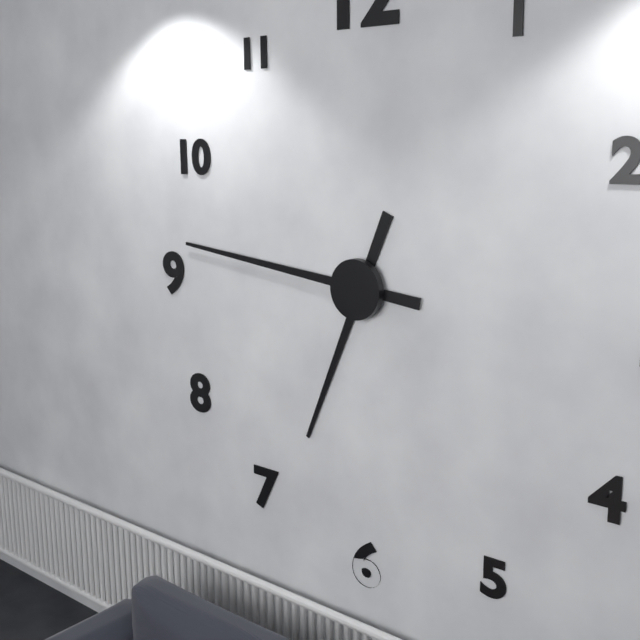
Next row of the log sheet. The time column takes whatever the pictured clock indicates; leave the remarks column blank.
6:46
